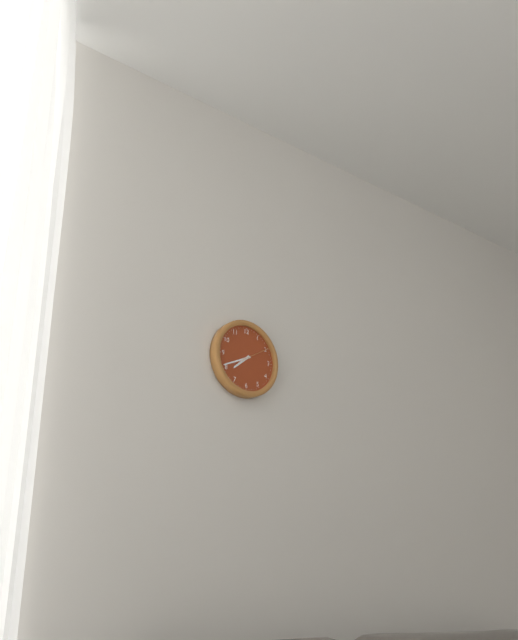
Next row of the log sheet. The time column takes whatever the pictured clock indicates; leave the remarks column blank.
7:41
